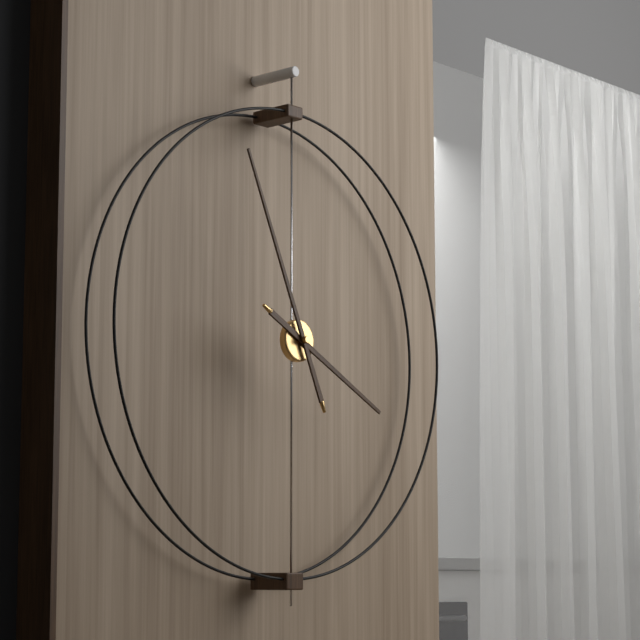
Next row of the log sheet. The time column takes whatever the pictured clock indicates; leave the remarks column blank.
3:56
